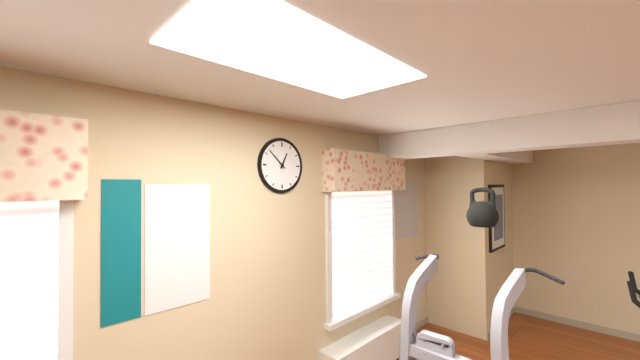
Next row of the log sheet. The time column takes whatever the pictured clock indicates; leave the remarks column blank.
12:52
